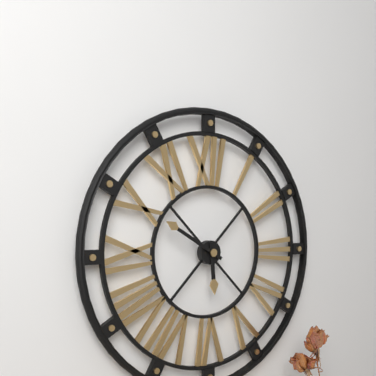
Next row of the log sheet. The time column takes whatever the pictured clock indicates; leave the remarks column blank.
5:50
